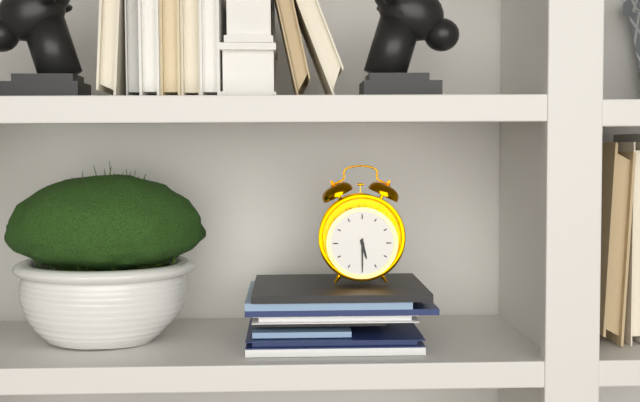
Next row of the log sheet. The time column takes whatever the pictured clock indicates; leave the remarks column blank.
5:30
